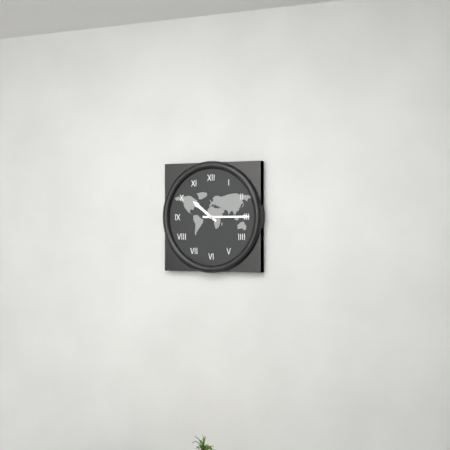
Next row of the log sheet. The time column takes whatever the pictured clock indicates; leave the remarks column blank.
10:15
